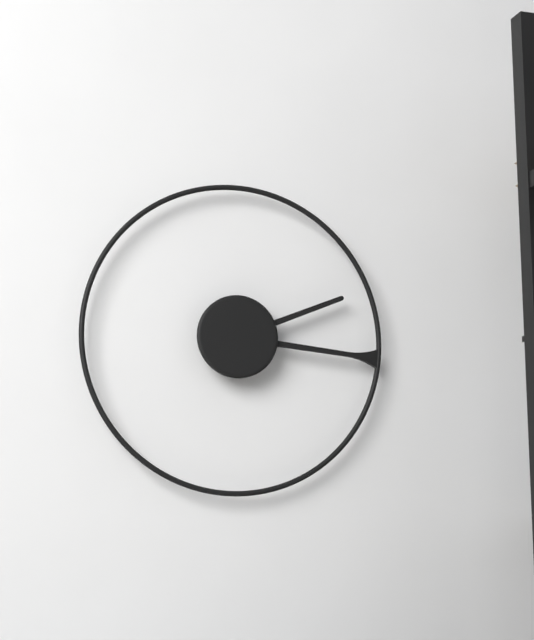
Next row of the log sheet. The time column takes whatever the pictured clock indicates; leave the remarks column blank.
2:16
